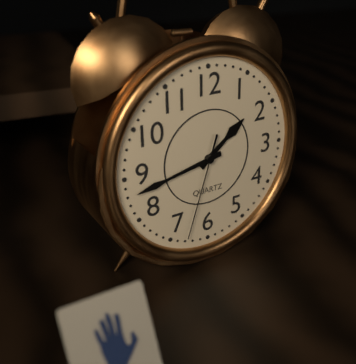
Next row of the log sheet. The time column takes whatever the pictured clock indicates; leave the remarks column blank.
1:43:33
